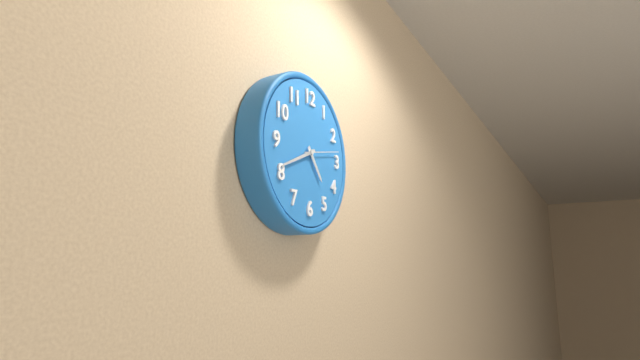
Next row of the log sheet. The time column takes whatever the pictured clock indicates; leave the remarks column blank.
4:41
